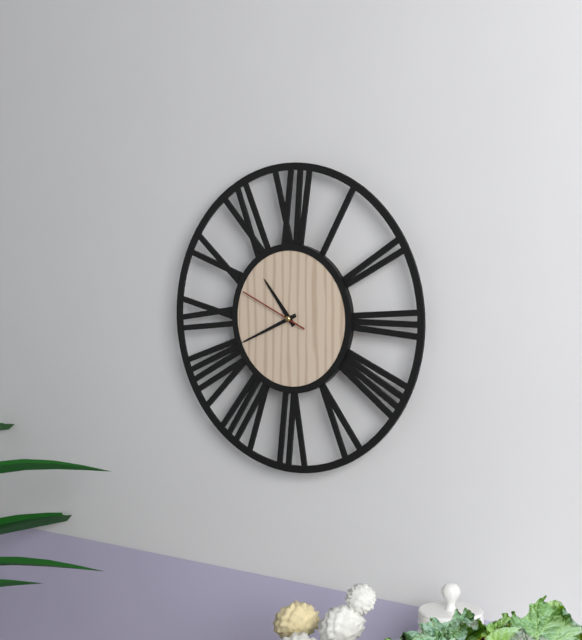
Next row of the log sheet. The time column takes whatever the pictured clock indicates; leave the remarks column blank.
10:41:49
